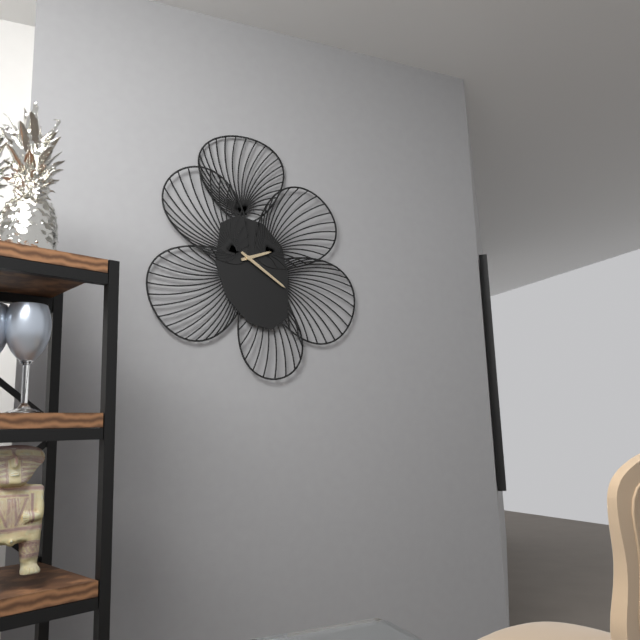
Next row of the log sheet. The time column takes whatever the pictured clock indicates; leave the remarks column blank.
2:21
